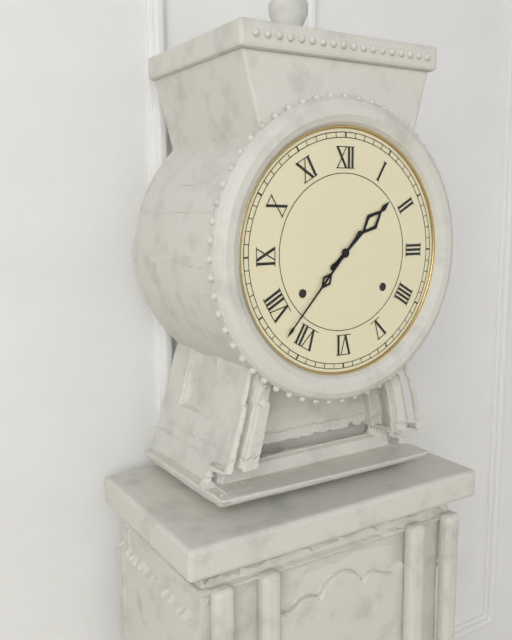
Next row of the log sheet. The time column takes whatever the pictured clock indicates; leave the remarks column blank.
1:37
